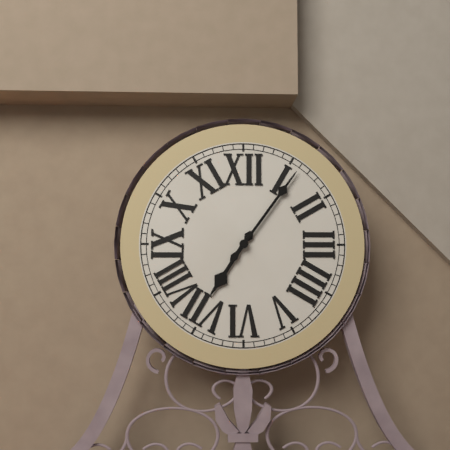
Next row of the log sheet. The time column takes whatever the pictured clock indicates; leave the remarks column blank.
7:06
